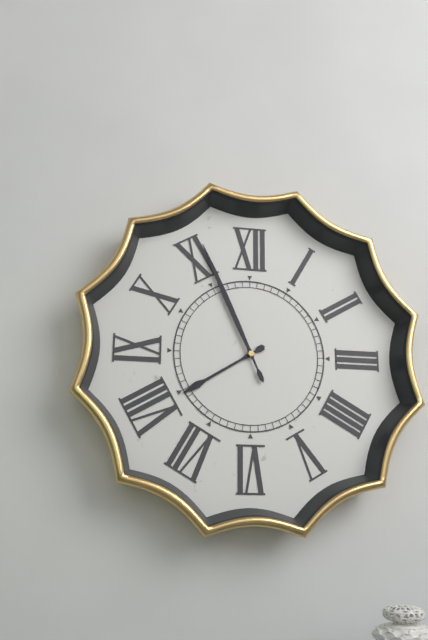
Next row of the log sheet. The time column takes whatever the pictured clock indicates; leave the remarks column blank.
7:56
